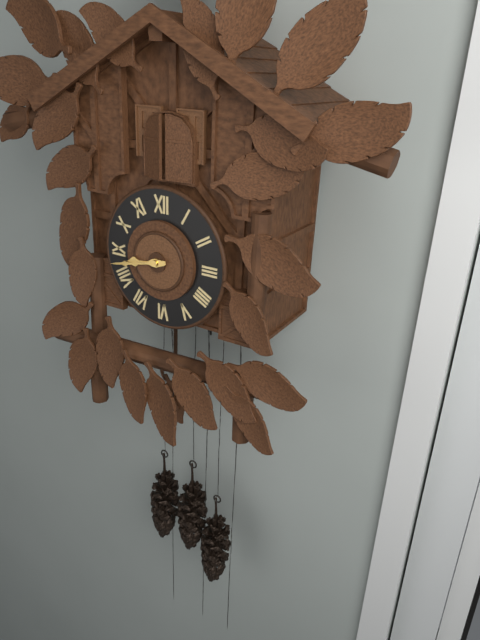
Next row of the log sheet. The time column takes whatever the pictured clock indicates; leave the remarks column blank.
8:43
